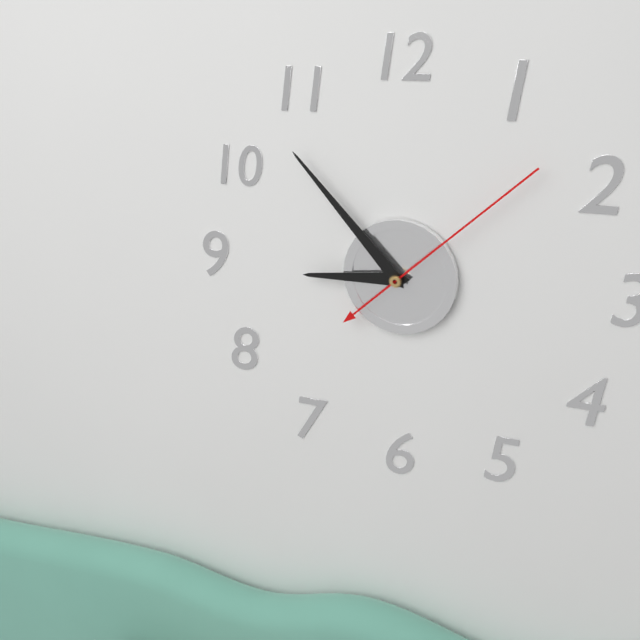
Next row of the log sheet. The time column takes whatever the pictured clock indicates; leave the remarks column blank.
8:53:08
